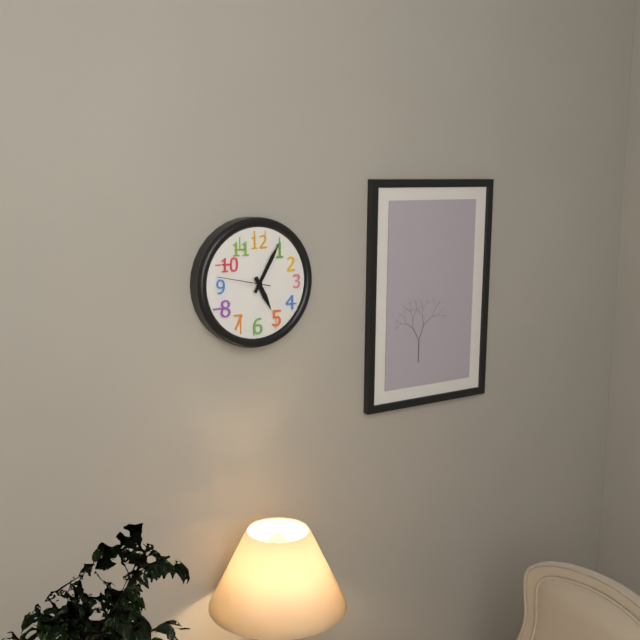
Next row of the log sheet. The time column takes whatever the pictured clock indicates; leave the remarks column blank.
5:05:47
